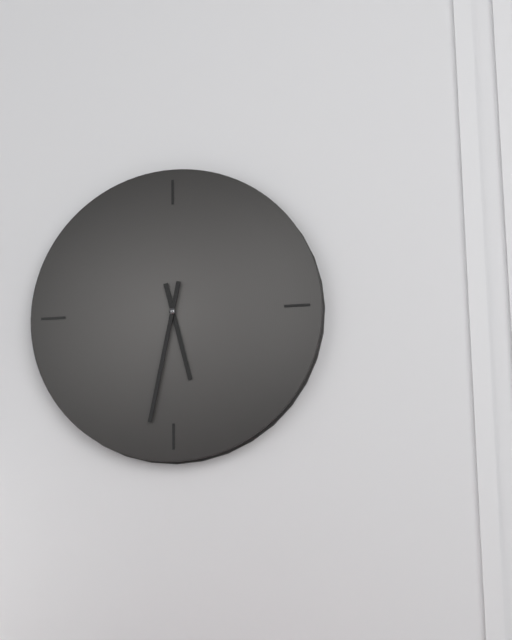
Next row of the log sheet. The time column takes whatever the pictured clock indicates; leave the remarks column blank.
5:32
